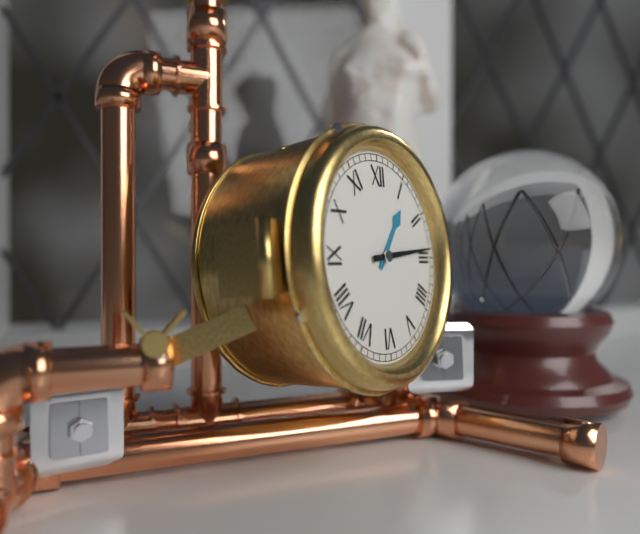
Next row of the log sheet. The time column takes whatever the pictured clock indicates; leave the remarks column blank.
1:14
